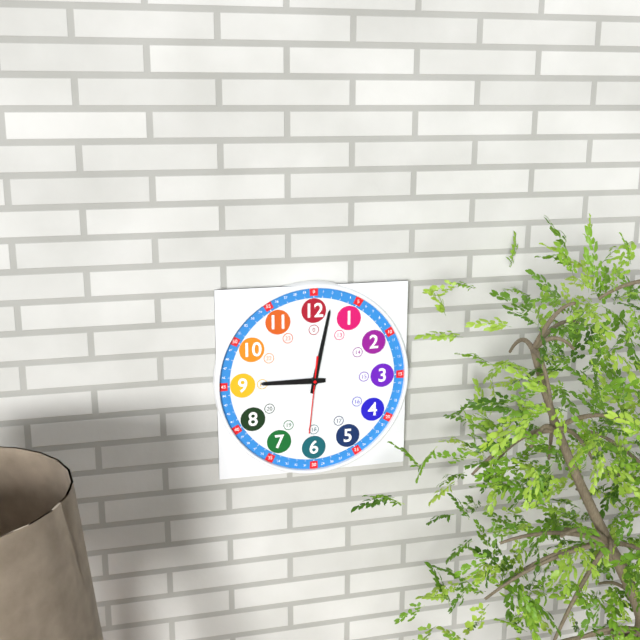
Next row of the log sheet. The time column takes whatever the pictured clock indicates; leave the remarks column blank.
9:02:31
